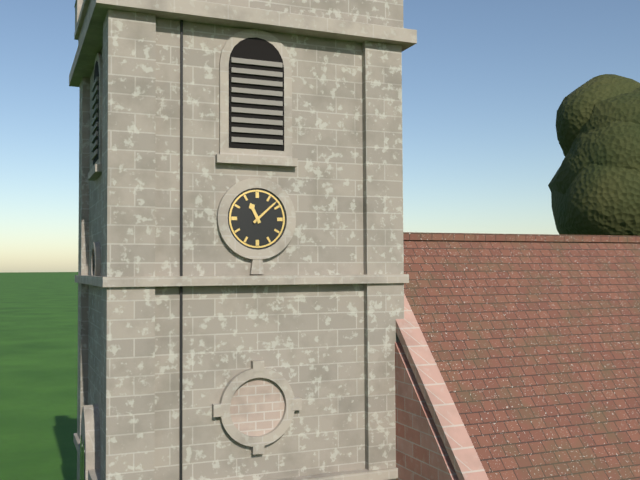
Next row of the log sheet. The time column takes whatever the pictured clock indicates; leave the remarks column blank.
11:08
